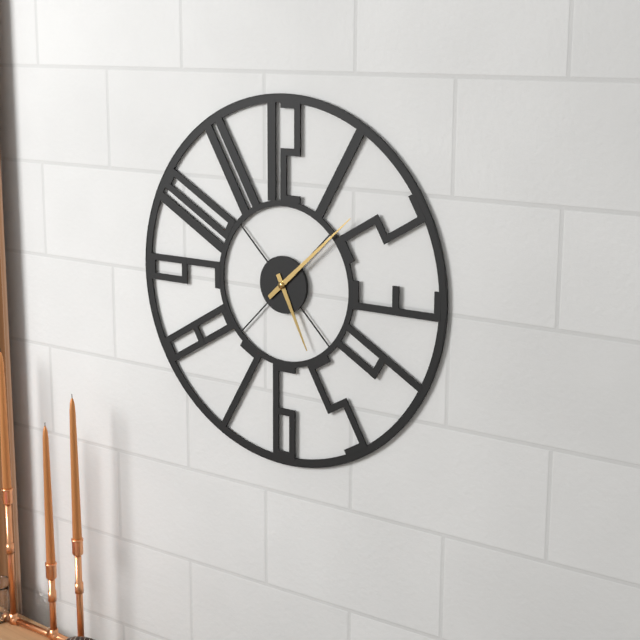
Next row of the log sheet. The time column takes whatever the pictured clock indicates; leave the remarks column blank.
5:08
